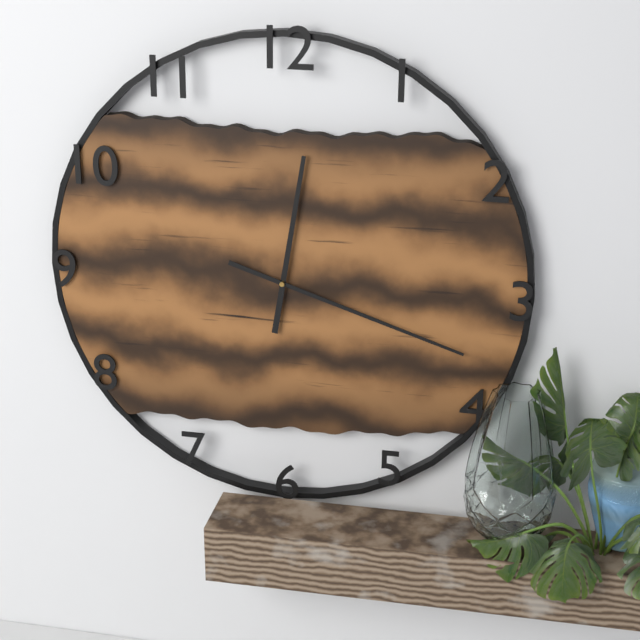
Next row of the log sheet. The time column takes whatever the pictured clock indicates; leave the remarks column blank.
12:18
